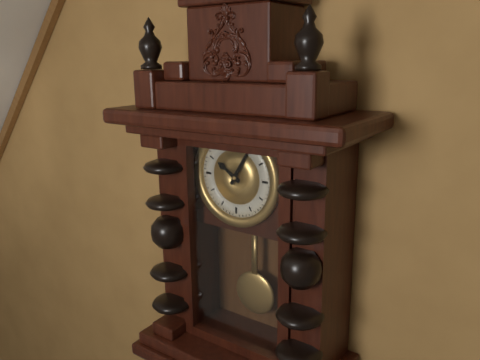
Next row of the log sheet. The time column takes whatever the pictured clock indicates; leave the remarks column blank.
10:05
